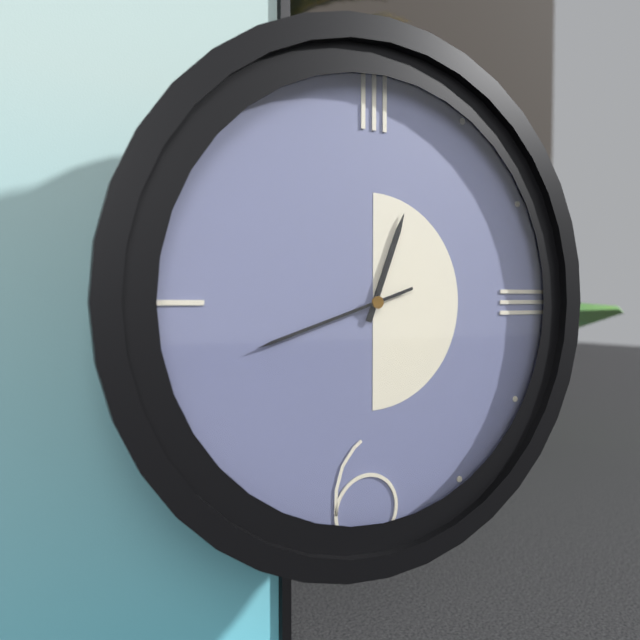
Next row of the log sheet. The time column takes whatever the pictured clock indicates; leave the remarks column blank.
12:42
